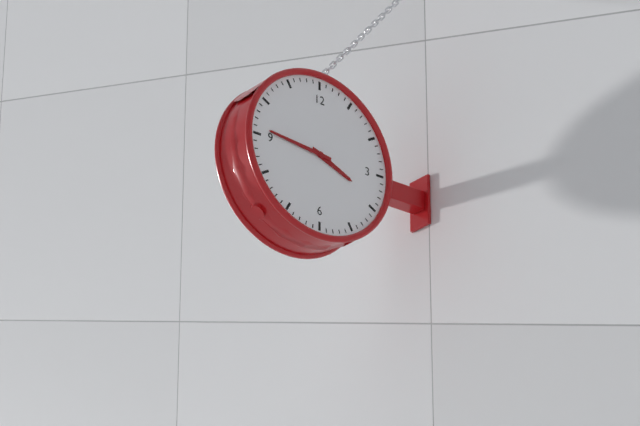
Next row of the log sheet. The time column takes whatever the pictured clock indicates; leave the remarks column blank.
3:46
